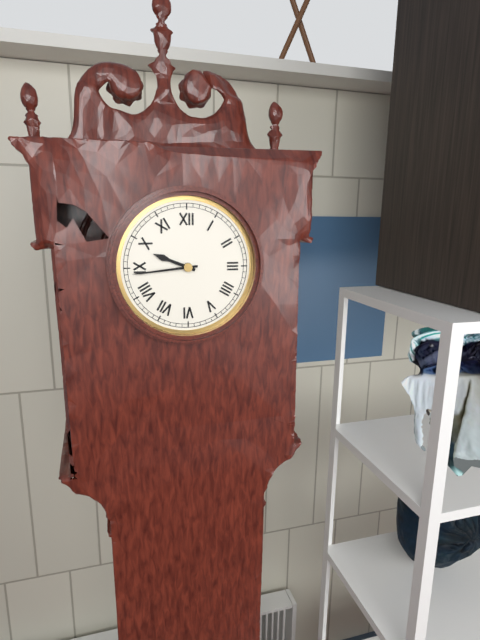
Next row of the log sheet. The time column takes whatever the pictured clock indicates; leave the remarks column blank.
9:44
